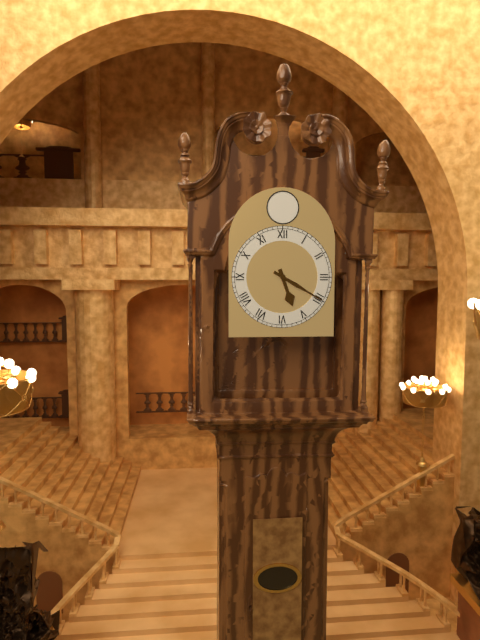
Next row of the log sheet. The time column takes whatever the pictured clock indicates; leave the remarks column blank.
5:20
